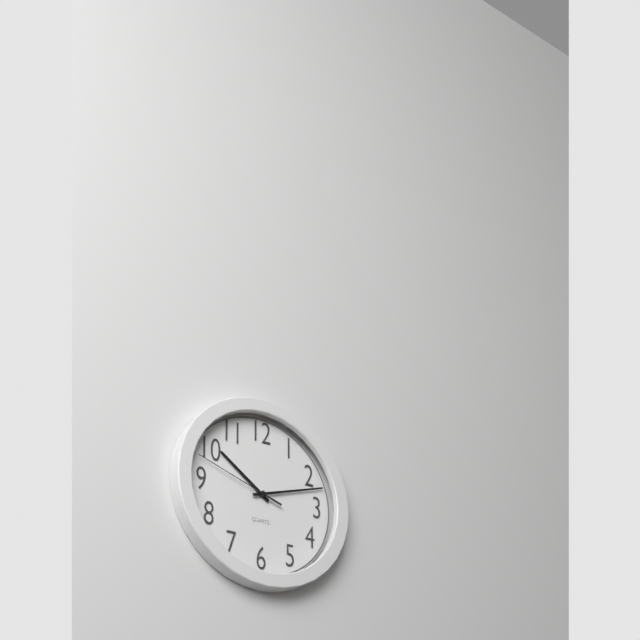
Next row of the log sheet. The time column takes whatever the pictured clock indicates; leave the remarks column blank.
10:12:48
